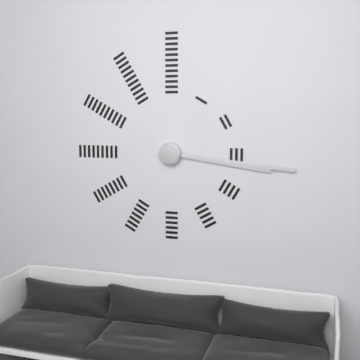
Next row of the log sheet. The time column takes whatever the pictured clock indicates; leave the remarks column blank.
3:16
